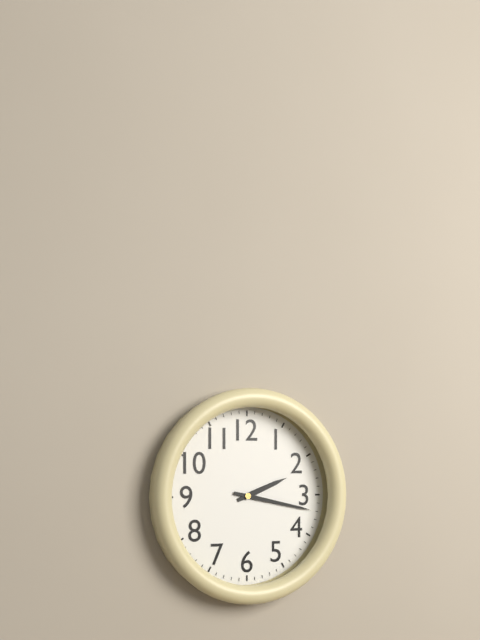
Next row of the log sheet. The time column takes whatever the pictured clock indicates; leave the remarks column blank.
2:17
